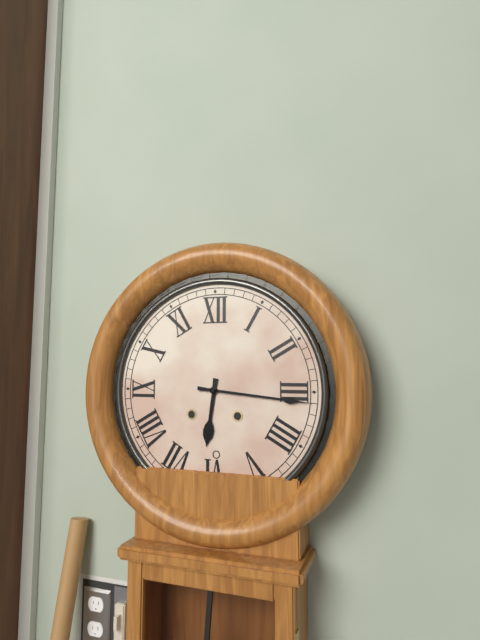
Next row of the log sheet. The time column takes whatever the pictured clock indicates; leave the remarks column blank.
6:16
